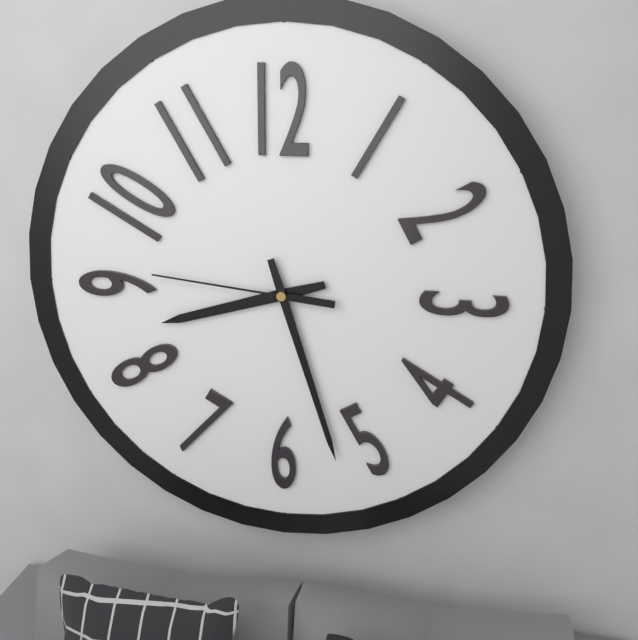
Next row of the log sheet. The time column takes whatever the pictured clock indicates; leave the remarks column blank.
8:27:46
